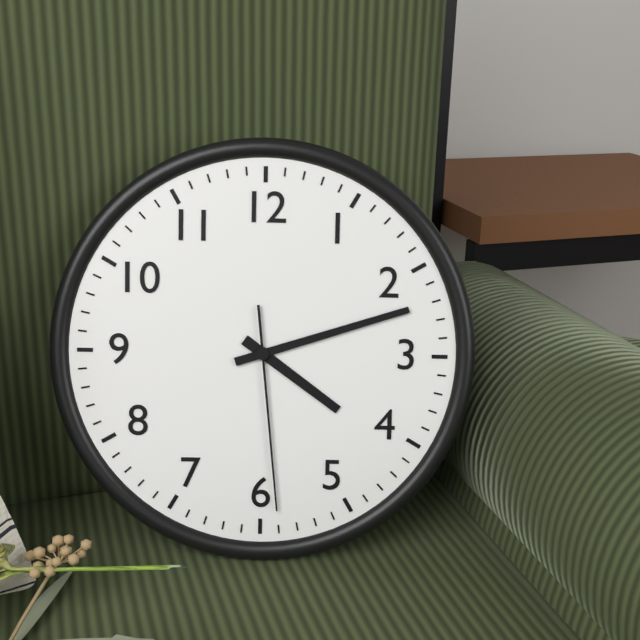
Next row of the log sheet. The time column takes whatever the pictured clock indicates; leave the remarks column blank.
4:12:29
